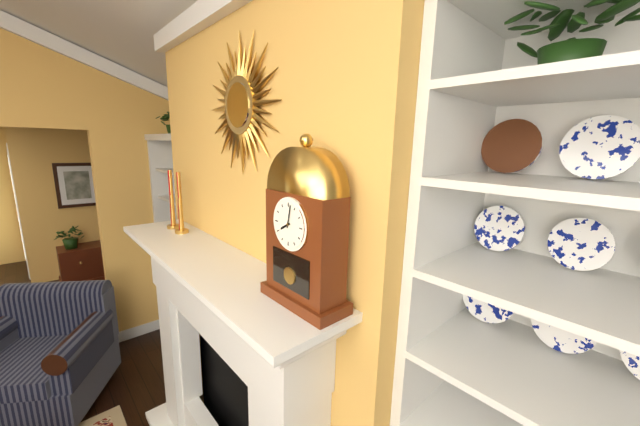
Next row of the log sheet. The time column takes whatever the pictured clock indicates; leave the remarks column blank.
8:02
